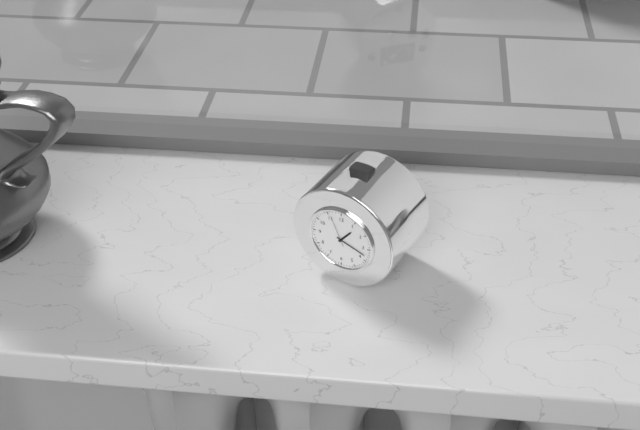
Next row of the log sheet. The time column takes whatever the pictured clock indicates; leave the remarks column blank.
1:18
